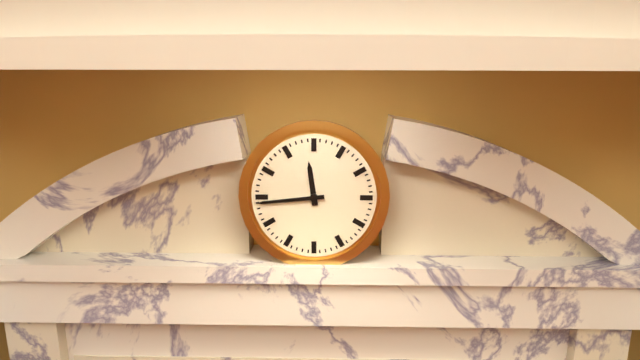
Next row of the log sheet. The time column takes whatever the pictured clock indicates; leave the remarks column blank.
11:44
